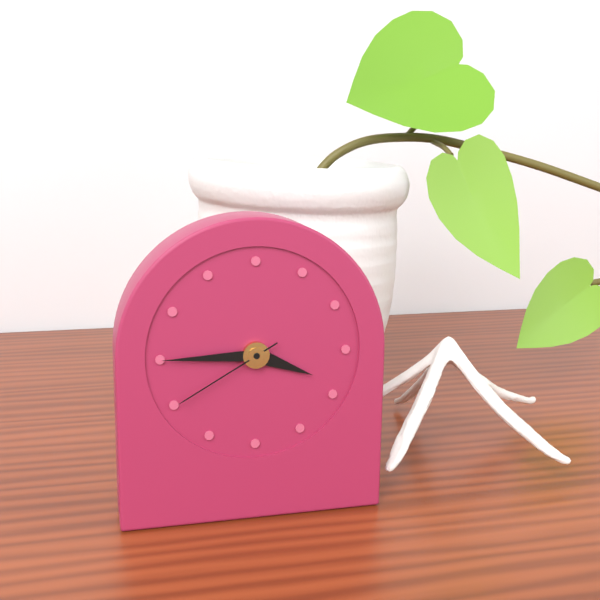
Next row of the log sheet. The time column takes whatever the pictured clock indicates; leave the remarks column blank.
3:45:40
